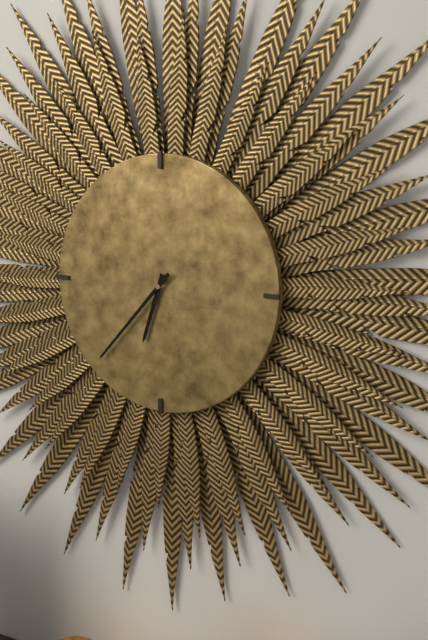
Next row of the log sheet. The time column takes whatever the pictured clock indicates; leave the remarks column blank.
6:37
